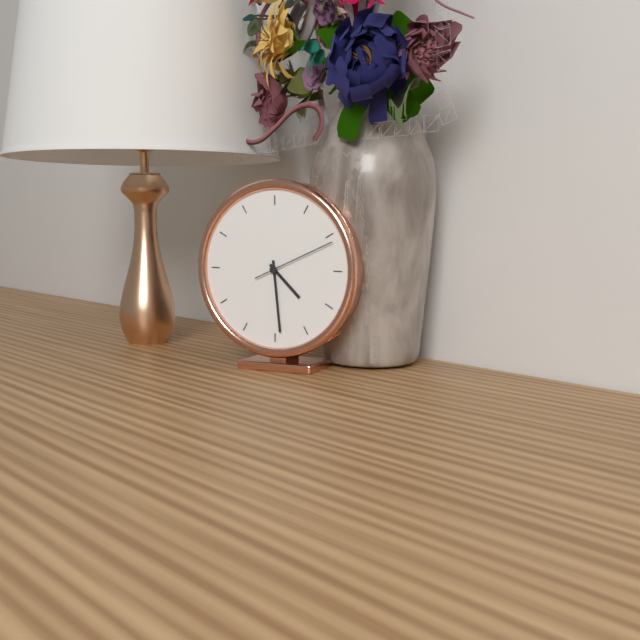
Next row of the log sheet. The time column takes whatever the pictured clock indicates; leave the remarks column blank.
4:29:11
